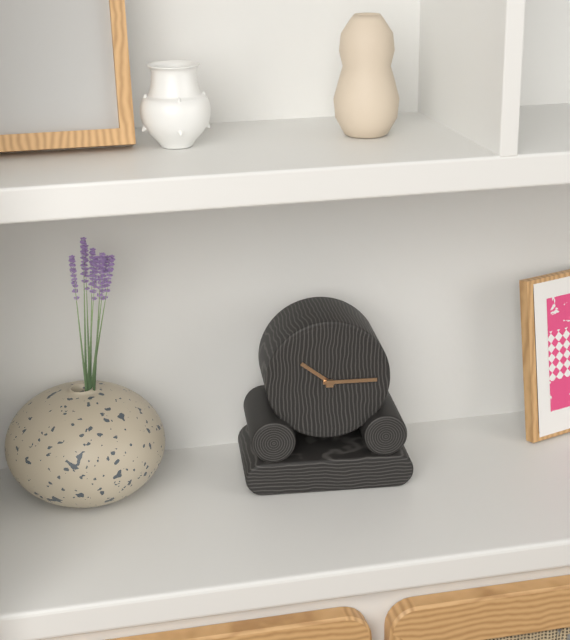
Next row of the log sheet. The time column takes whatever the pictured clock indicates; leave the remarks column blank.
10:15
